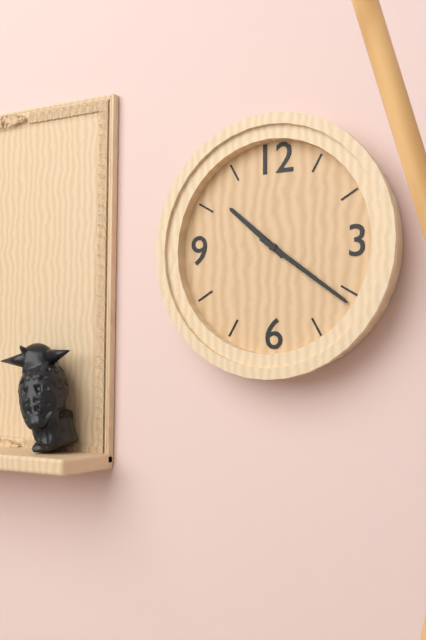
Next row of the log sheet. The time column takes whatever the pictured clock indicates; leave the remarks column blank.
10:21
